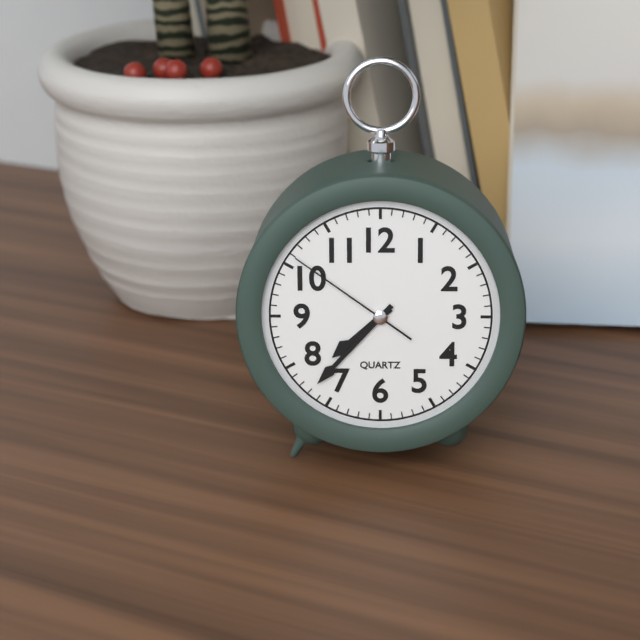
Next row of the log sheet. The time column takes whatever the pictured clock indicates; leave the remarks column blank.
7:37:51
